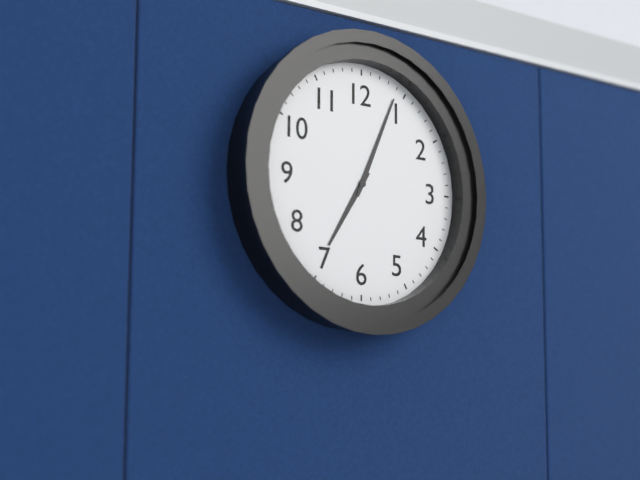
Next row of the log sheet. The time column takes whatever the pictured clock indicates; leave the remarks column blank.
7:04
